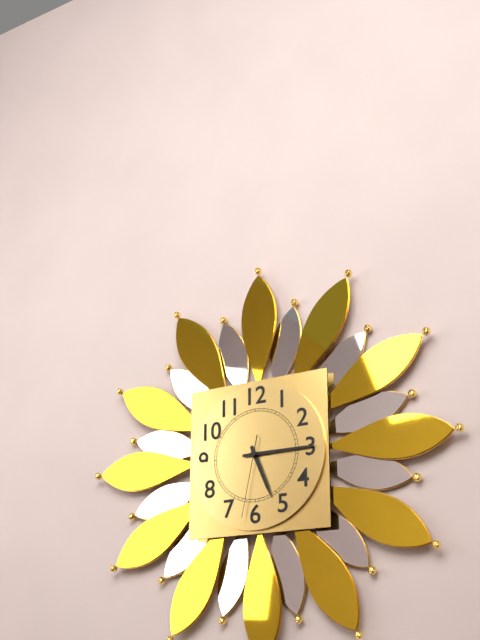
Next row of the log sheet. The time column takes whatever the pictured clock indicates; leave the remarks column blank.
5:15:32
